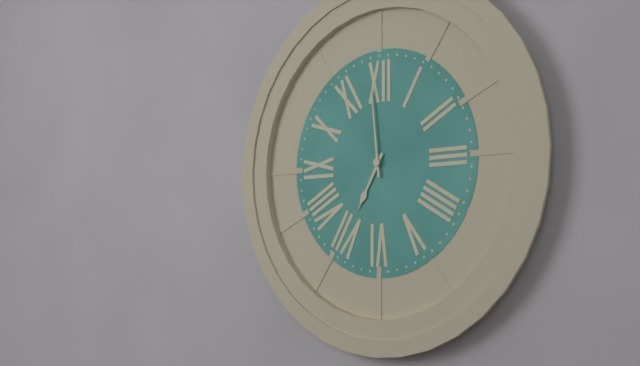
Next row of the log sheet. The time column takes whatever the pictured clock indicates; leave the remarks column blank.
6:59
